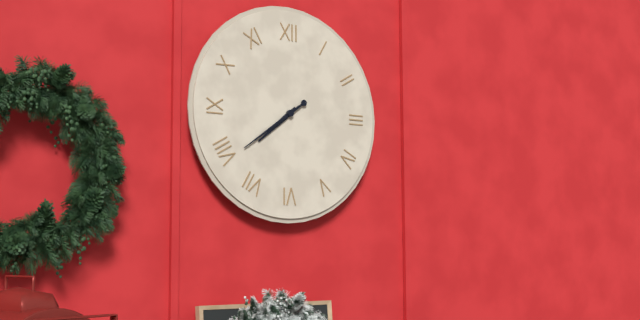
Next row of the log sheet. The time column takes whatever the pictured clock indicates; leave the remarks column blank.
7:39
